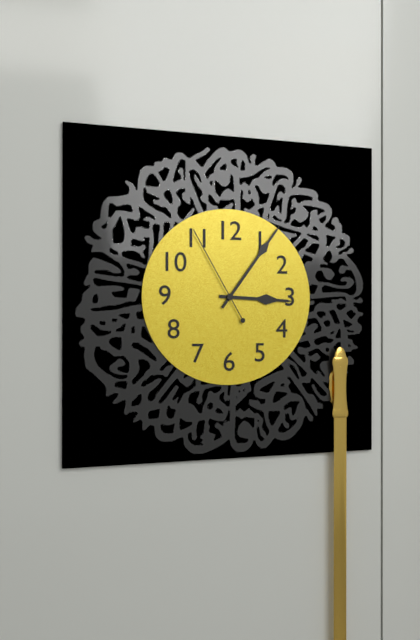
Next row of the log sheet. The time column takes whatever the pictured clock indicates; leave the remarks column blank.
3:06:55
